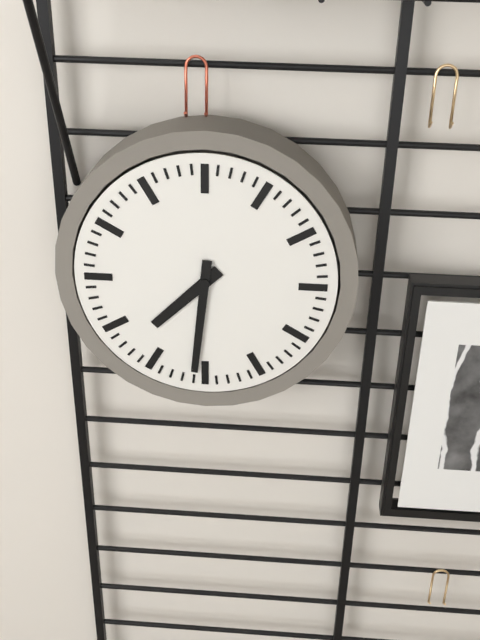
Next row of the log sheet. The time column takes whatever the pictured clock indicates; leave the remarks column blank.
7:31
